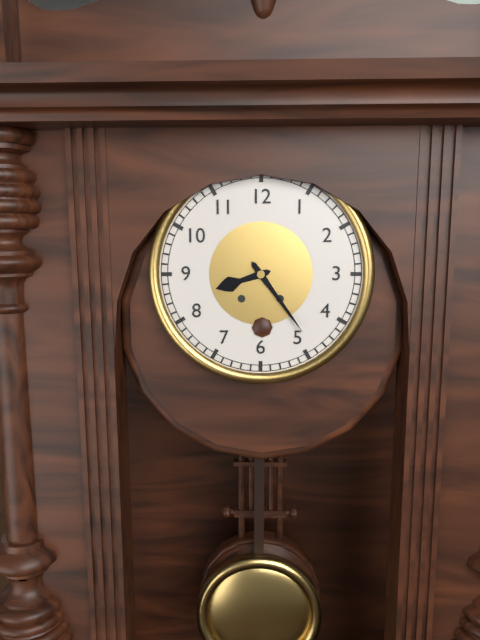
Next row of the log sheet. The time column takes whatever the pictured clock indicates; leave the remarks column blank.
8:24
